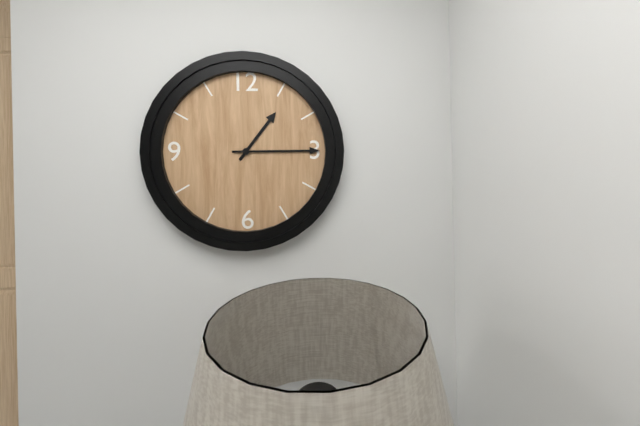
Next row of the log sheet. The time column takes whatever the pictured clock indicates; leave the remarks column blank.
1:15
